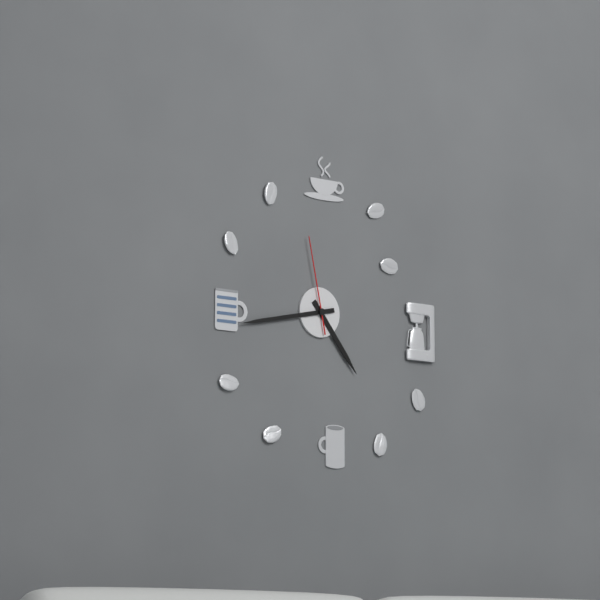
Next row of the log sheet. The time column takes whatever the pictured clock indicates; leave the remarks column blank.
4:43:58
